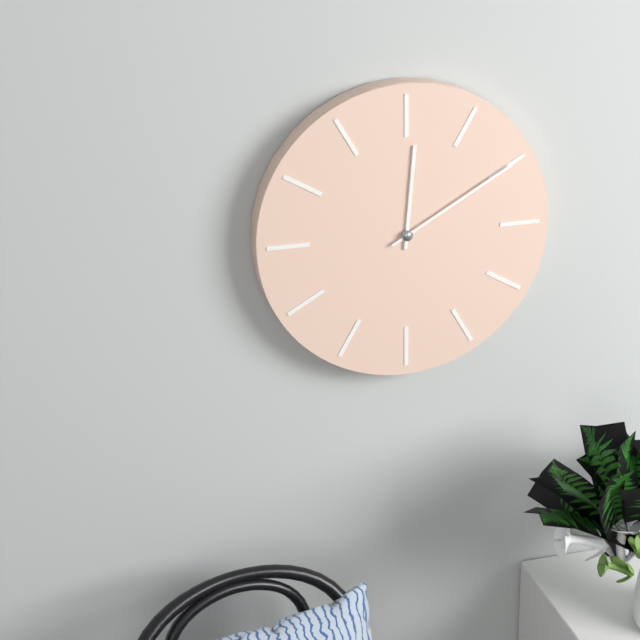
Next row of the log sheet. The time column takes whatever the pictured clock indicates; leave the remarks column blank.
12:10
